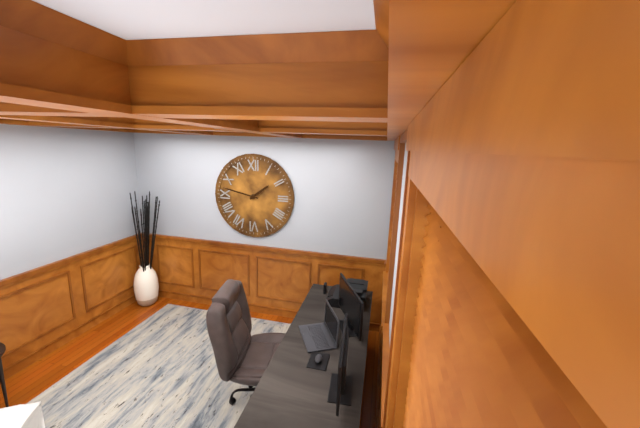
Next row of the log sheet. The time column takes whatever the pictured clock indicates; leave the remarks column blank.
1:47
